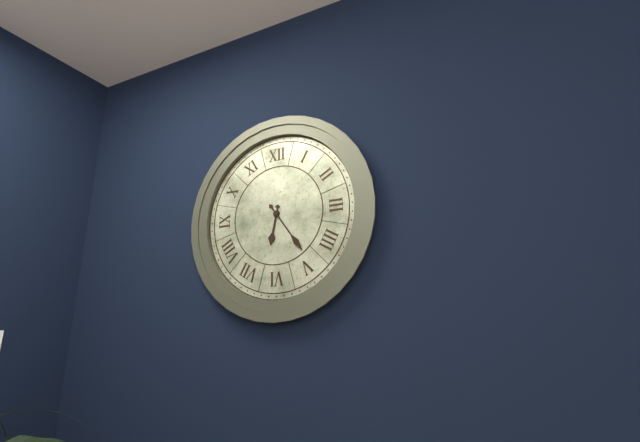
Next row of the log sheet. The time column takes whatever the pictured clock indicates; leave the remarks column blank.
6:24
